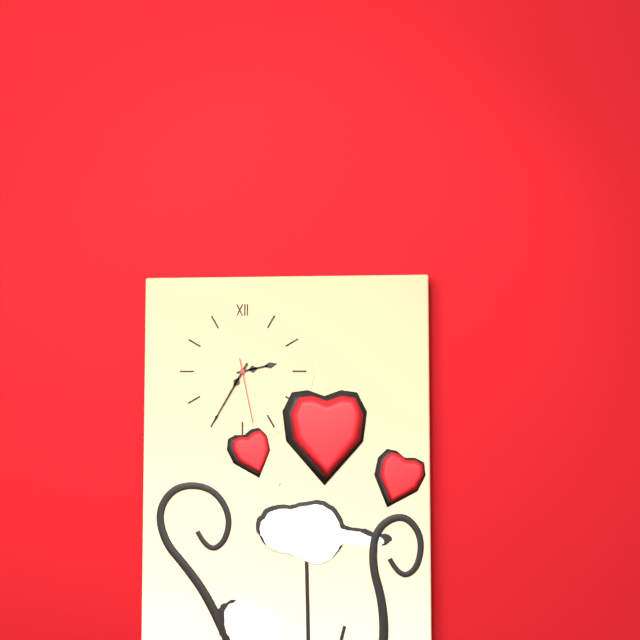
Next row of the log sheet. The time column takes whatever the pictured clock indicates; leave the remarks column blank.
2:35:28
